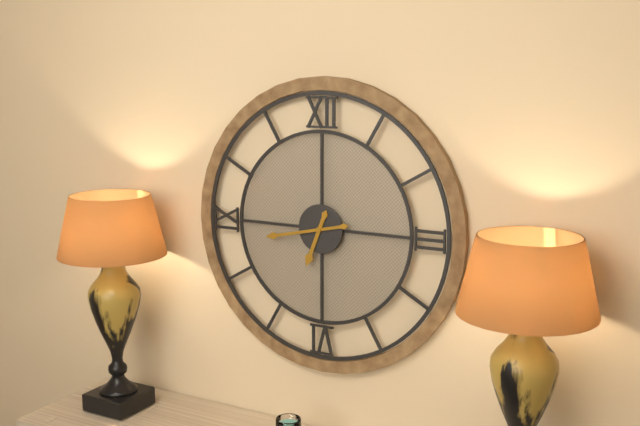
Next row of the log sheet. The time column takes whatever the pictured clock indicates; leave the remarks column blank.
6:43
